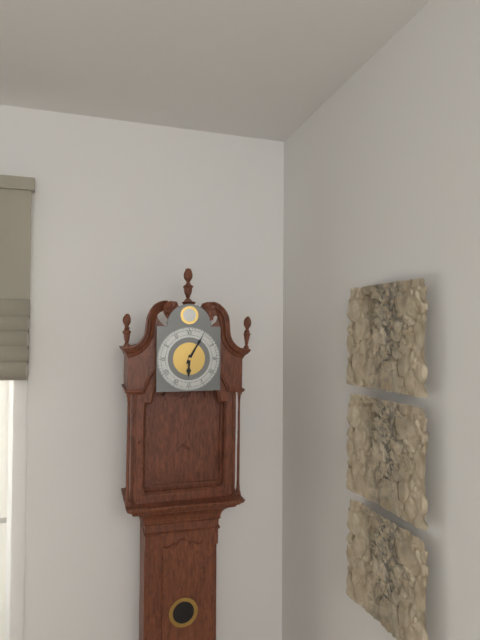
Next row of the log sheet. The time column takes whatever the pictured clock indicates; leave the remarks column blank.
6:05
